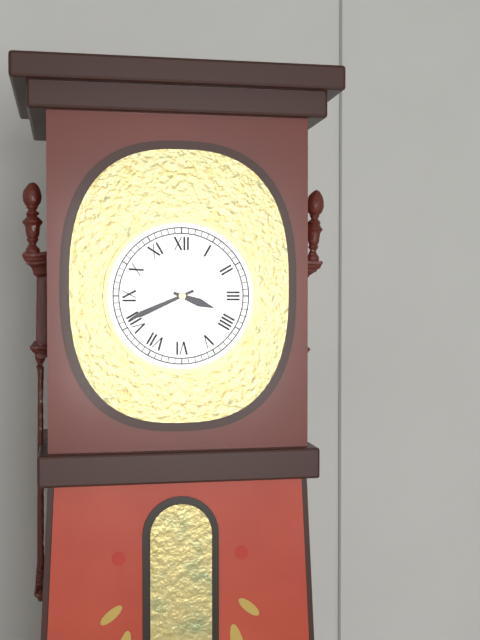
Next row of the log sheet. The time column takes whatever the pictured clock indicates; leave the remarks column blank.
3:41
